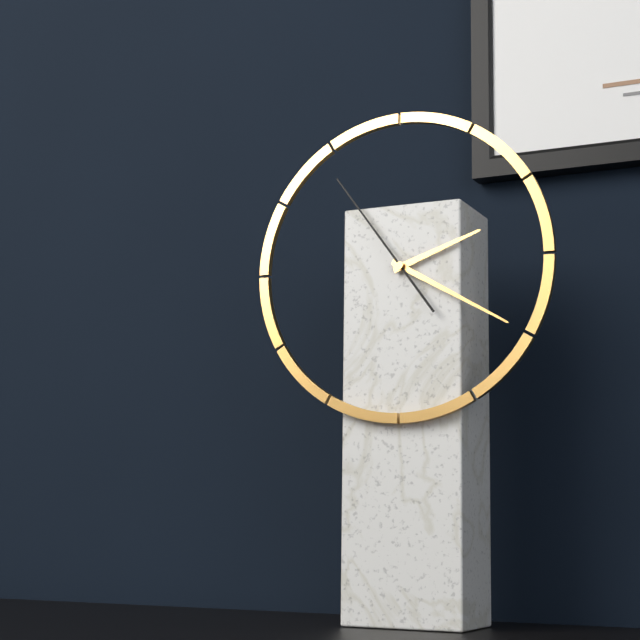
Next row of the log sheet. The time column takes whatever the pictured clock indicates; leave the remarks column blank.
2:20:54
